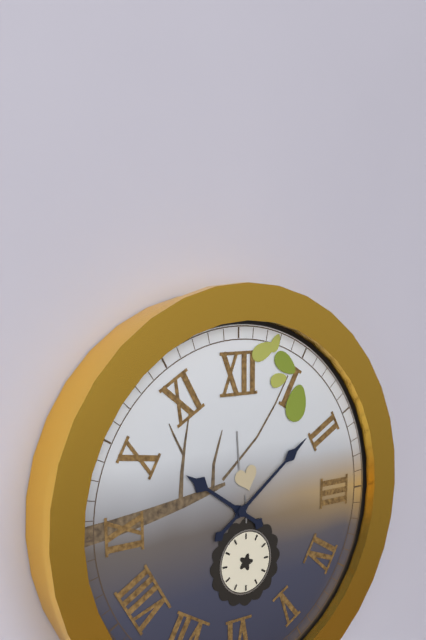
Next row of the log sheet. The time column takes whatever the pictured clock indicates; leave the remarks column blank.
10:09
